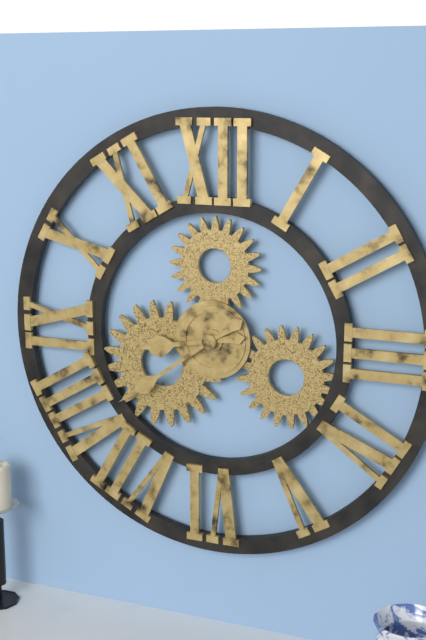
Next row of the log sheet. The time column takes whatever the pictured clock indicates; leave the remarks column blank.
8:39
